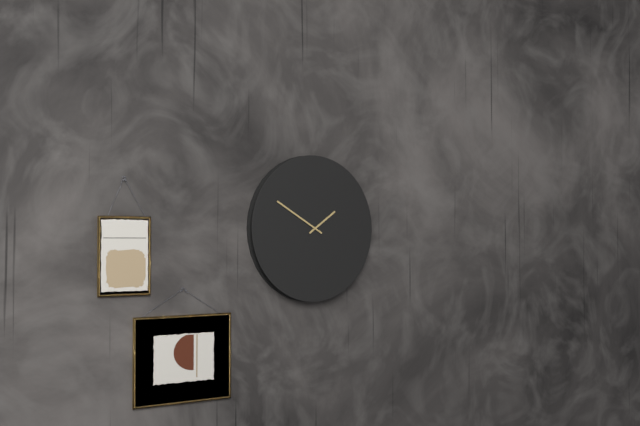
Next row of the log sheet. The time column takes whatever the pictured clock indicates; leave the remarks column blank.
1:50
